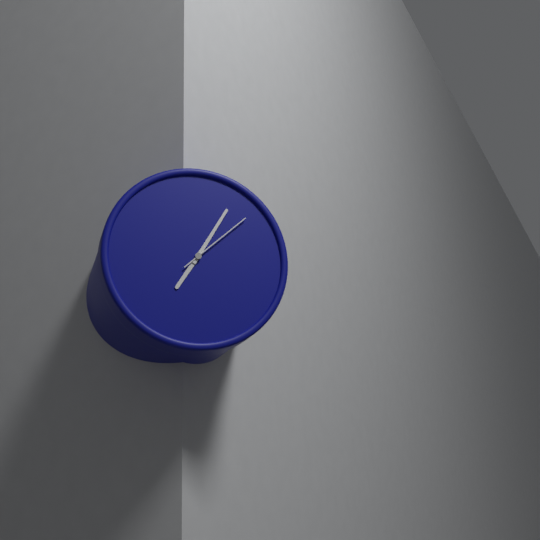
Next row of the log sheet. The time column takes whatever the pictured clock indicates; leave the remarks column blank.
7:05:08
